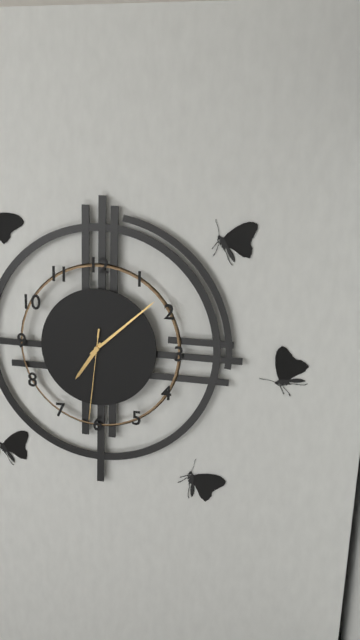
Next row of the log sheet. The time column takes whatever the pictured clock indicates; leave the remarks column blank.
7:08:31
